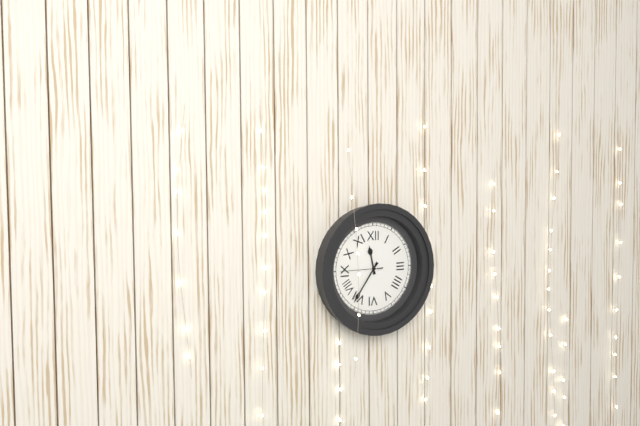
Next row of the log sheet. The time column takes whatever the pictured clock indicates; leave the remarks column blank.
11:36
